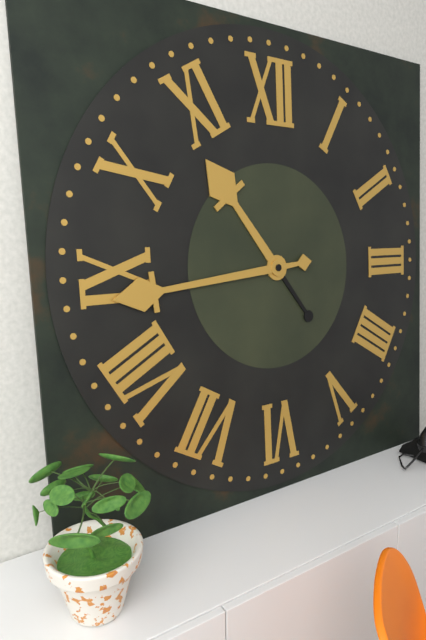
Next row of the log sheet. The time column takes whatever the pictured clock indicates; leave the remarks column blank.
10:44
